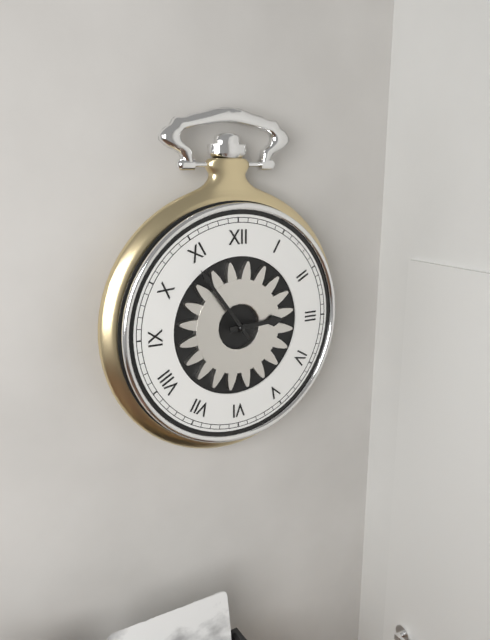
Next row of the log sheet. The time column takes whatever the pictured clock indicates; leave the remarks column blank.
2:54
